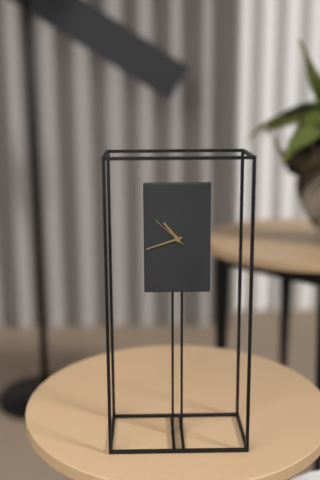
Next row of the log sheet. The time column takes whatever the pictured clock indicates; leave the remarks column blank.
10:42
